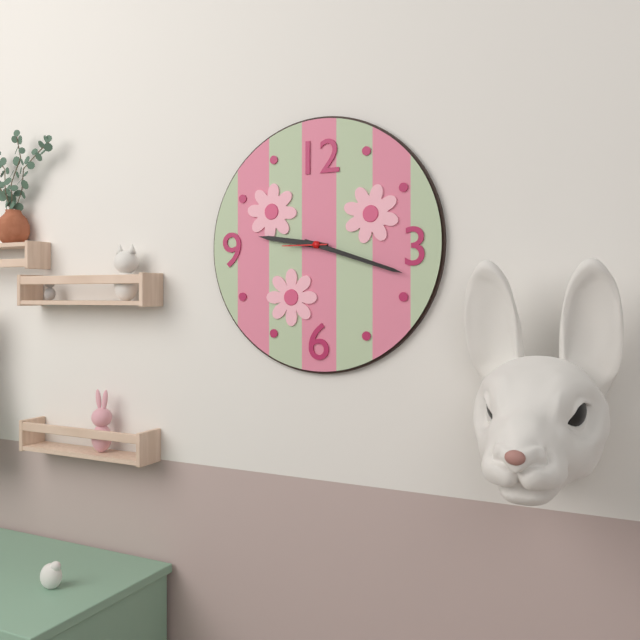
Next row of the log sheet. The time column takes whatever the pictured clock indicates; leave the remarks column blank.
9:18
